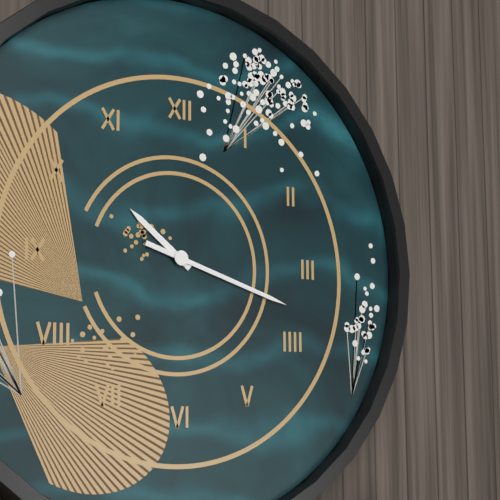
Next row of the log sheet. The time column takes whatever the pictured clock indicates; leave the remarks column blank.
10:18
